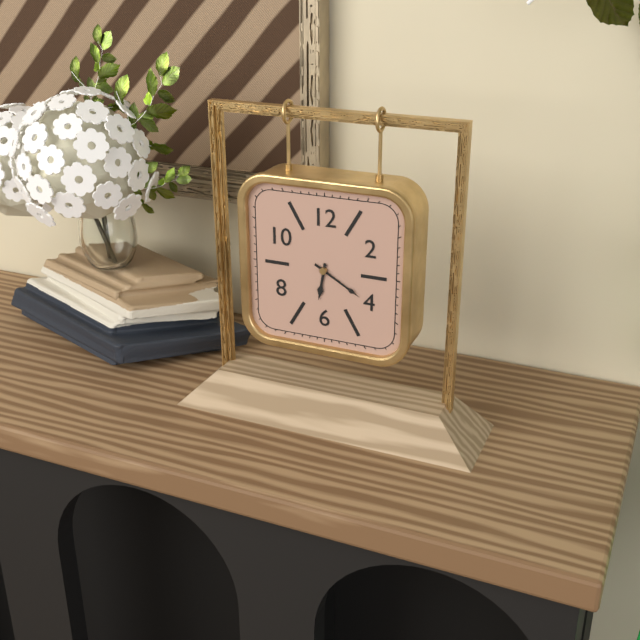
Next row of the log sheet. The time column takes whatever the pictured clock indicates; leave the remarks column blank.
6:20
